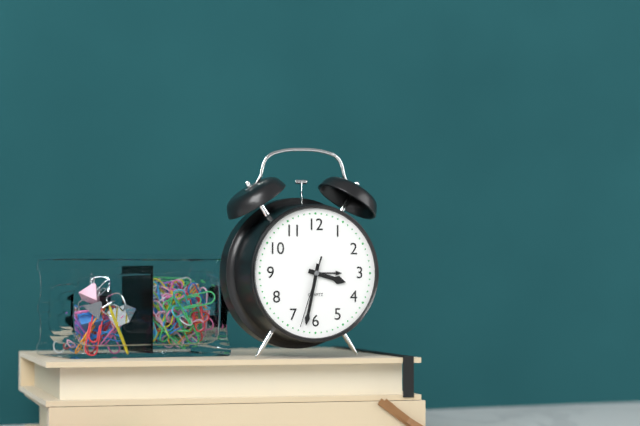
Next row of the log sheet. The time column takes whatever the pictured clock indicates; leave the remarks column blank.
3:32:33
